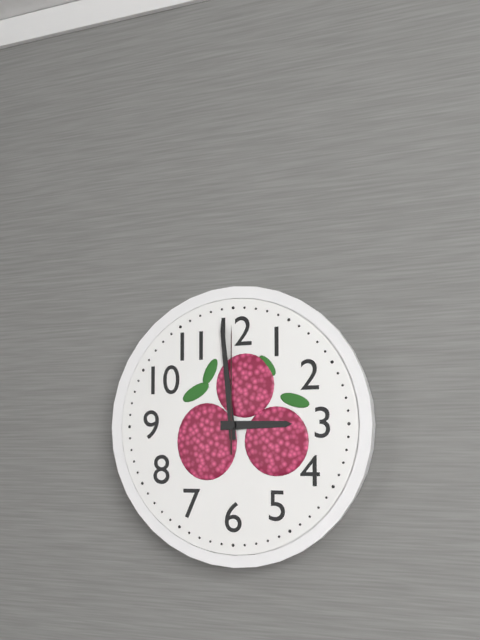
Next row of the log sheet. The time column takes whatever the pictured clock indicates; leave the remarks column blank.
2:59:00
